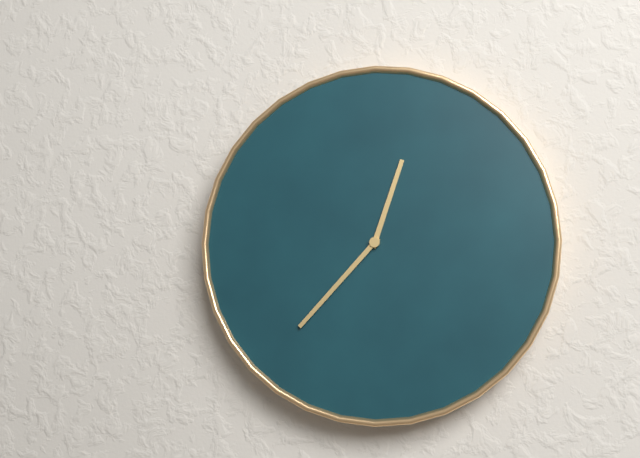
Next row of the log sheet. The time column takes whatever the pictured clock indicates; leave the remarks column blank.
12:37
